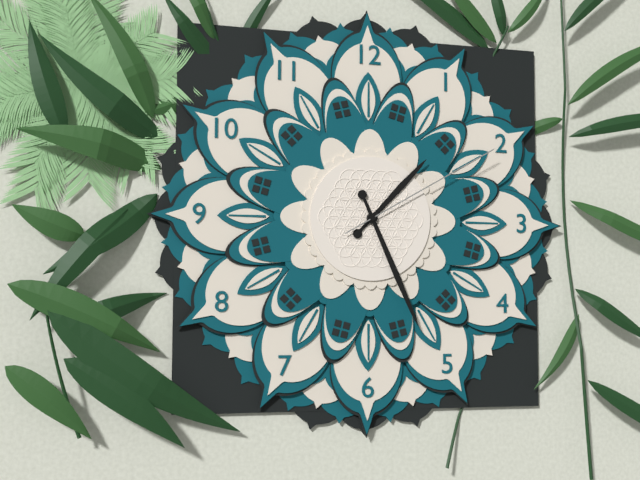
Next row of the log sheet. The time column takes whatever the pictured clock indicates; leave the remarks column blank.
1:26:10
